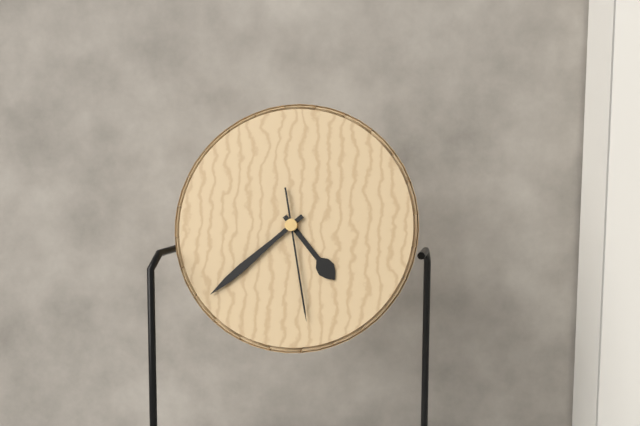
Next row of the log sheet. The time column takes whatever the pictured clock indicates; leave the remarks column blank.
4:38:28
